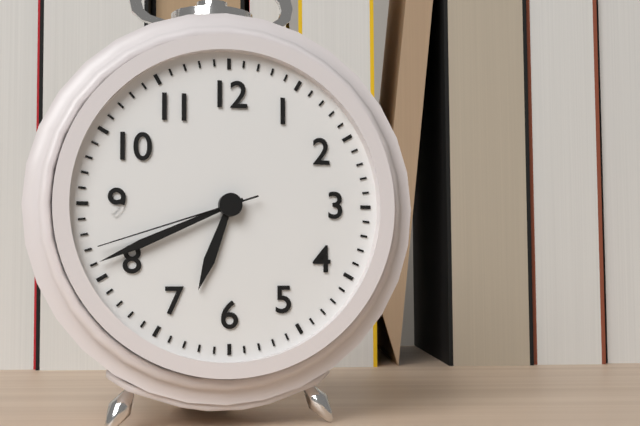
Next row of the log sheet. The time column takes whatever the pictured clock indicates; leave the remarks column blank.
6:41:42
